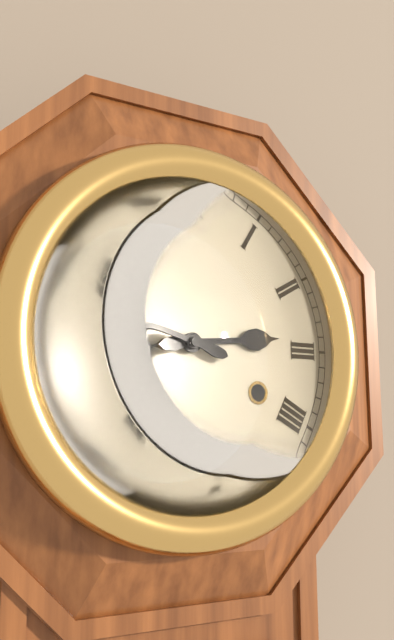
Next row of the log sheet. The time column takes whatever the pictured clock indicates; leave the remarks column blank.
2:48
